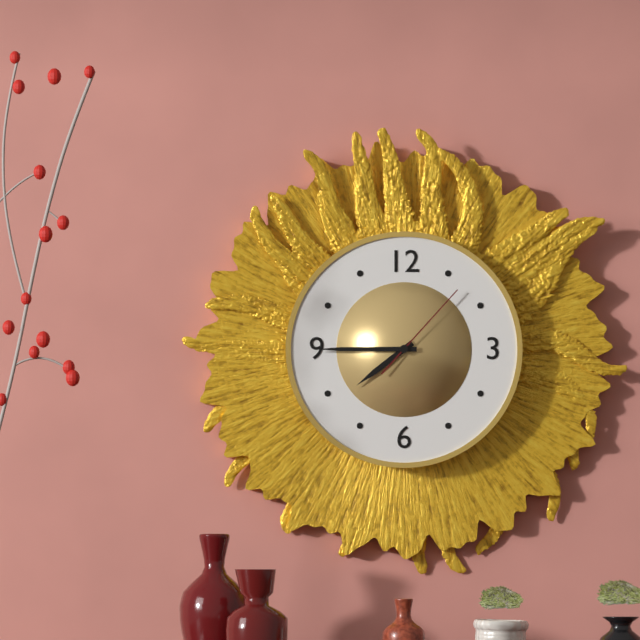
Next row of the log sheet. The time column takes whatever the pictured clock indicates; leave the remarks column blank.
7:45:07
